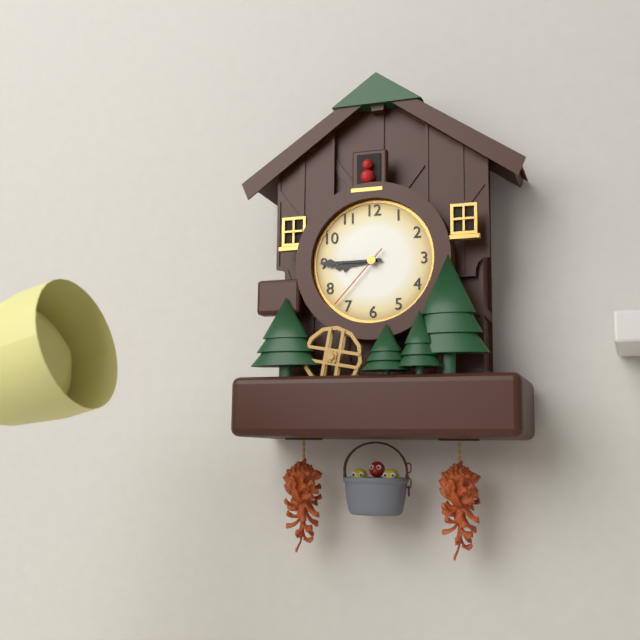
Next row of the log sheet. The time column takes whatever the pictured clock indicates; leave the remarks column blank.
8:45:37
